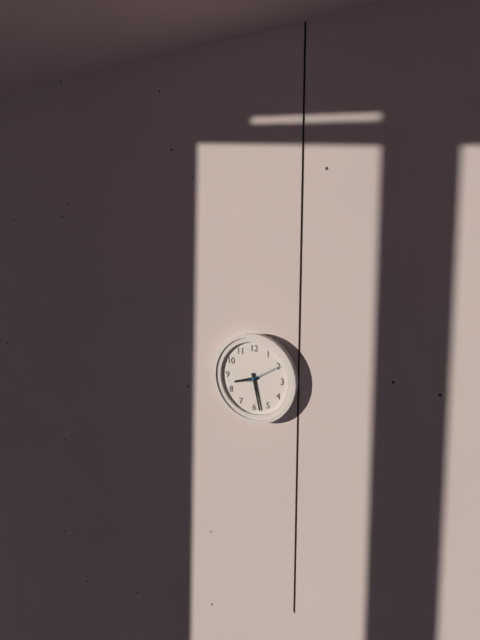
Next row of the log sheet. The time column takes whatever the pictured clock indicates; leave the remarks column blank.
8:28
